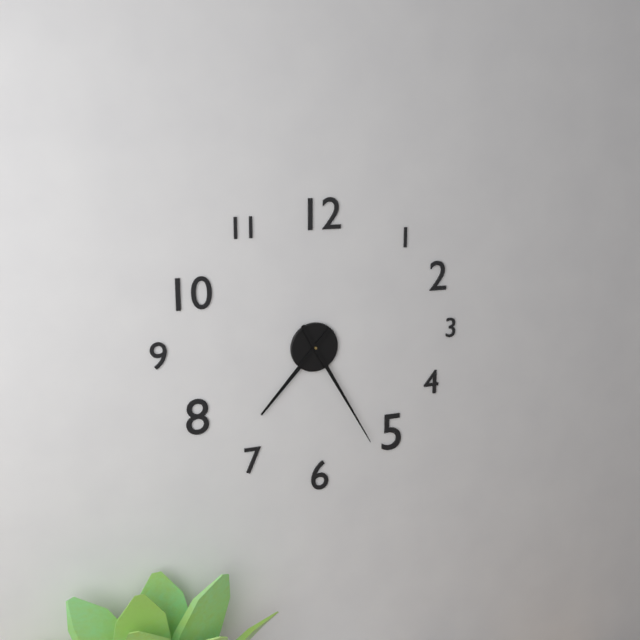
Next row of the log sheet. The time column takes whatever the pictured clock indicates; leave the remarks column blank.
7:25
